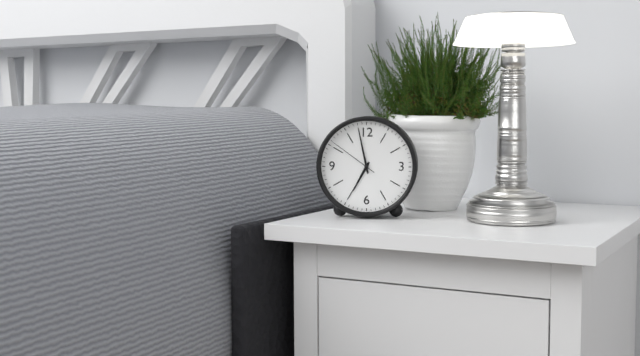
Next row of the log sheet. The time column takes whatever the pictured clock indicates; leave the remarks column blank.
6:58:51
